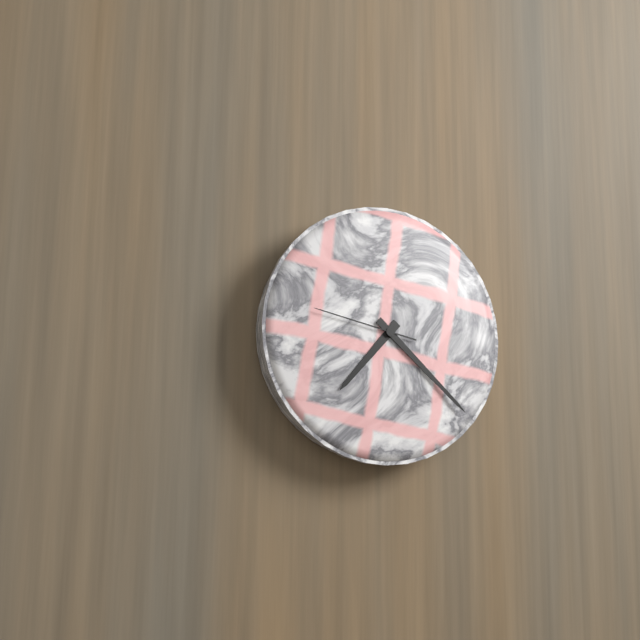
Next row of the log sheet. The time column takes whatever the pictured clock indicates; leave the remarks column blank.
7:22:47
